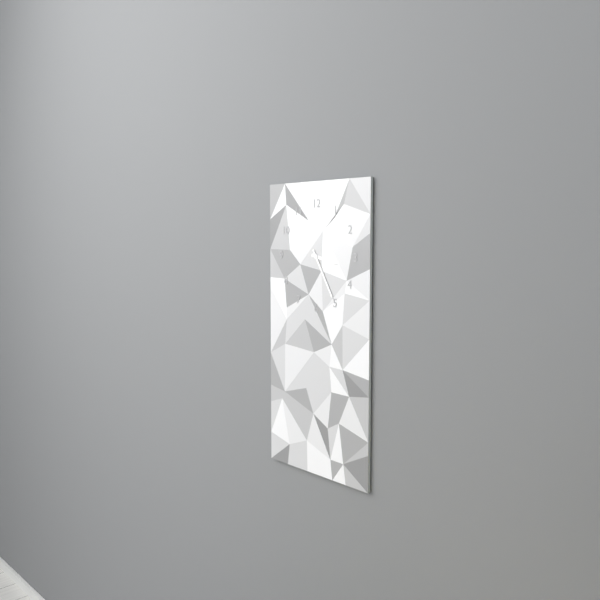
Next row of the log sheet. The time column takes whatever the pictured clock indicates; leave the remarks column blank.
3:25
